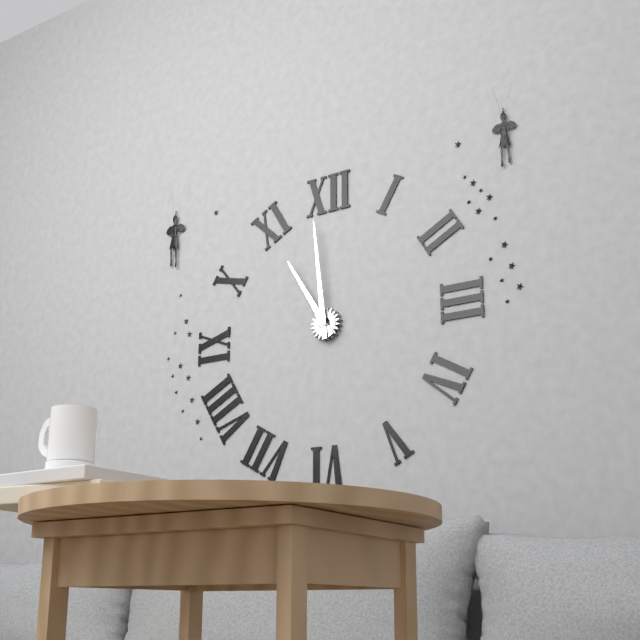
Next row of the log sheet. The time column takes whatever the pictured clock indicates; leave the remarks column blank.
10:59
